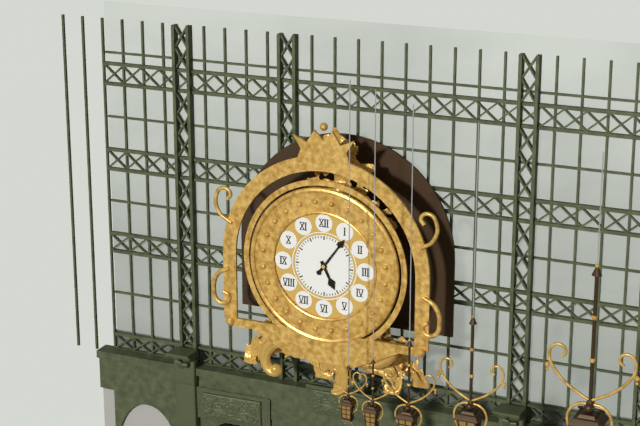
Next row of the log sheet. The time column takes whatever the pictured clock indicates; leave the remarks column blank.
5:06
